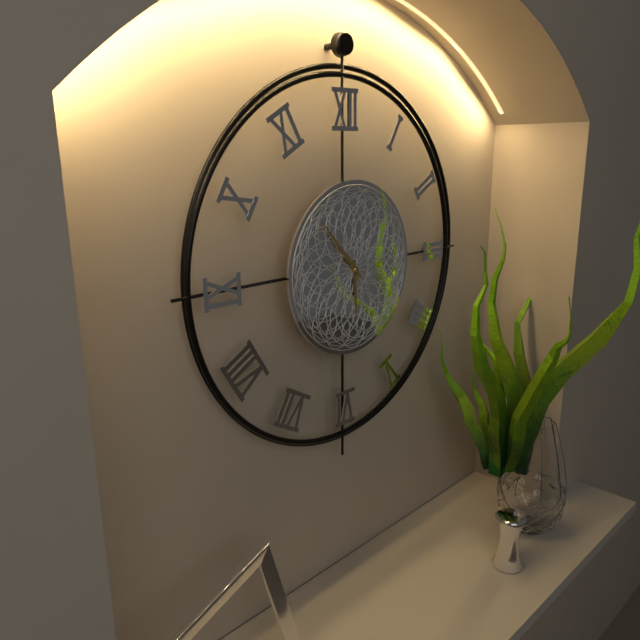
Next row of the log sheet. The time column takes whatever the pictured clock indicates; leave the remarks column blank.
5:53
